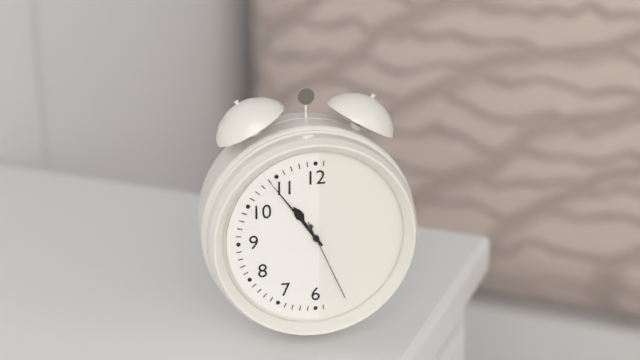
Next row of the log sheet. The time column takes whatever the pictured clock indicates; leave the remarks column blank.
10:54:26
